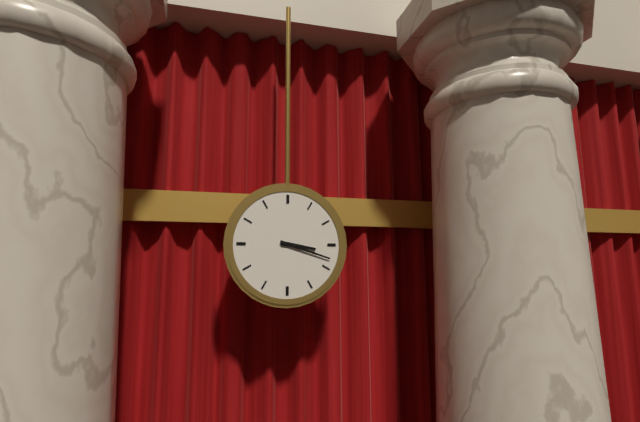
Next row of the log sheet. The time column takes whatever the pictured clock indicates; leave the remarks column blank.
3:18
